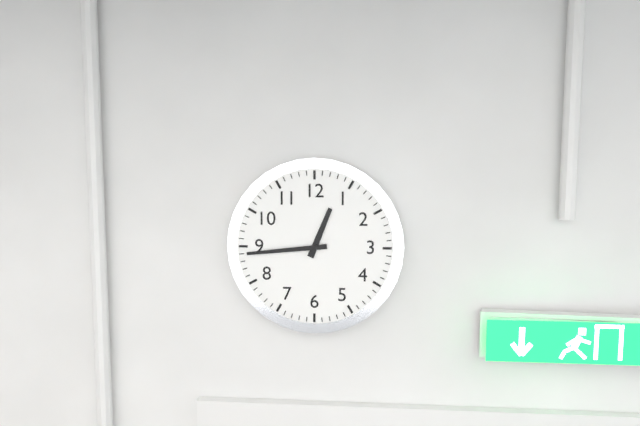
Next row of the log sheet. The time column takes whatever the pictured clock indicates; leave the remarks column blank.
12:44
